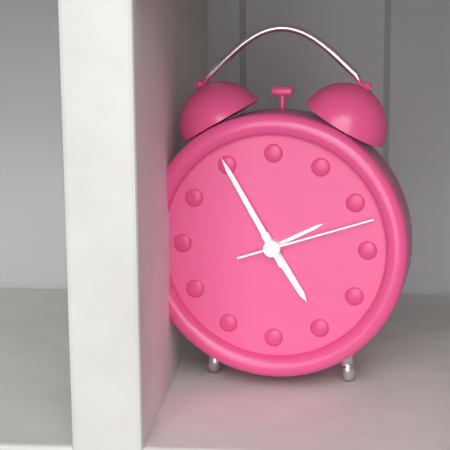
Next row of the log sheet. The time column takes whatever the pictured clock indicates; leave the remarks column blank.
4:55:12
